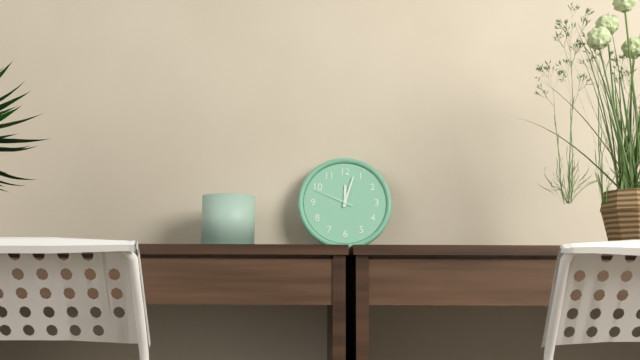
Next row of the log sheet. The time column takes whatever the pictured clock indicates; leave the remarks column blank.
12:03
